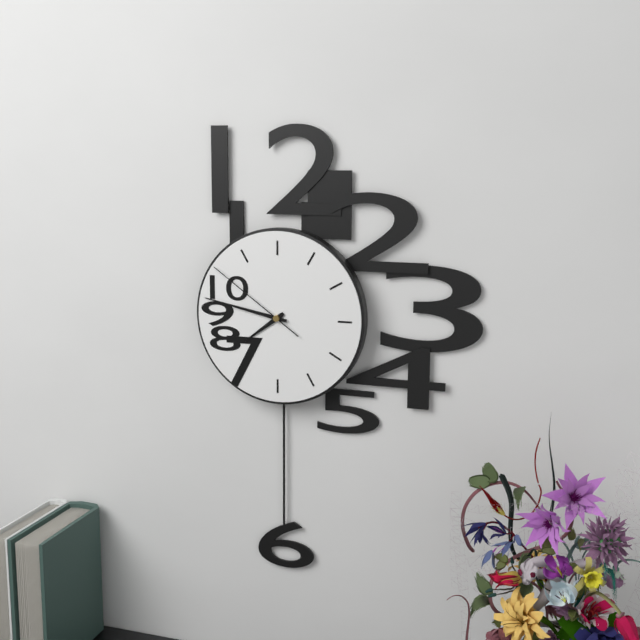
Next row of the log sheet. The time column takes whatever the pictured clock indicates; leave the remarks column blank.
7:47:51
